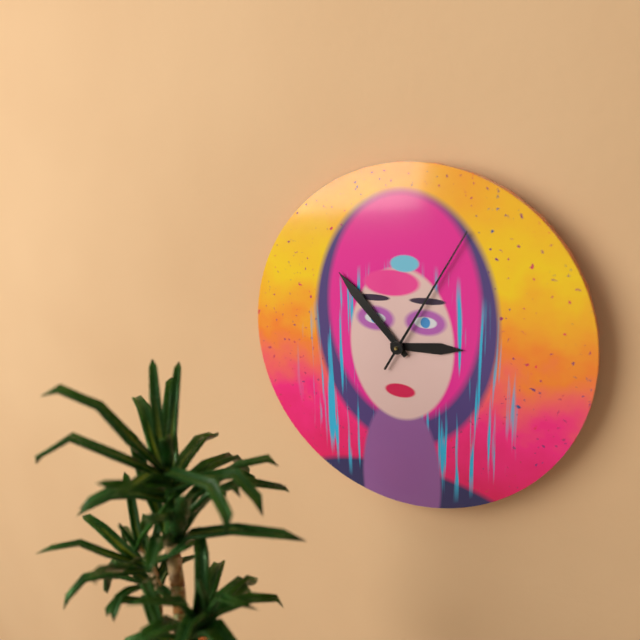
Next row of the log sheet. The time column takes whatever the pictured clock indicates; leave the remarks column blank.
2:53:05
